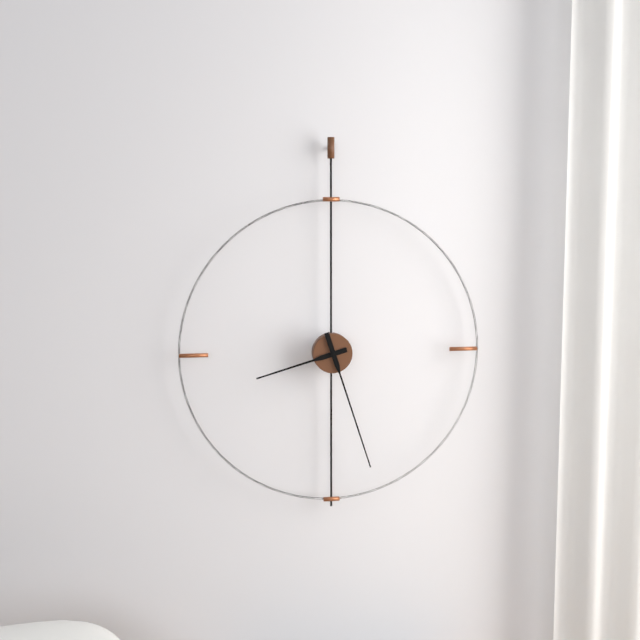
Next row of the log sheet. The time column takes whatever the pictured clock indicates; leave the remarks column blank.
8:27
